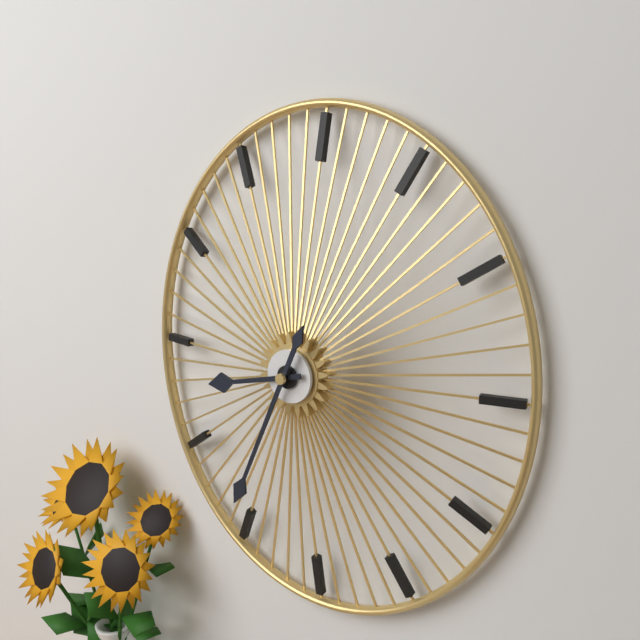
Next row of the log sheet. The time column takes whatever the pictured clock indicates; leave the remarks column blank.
8:34
